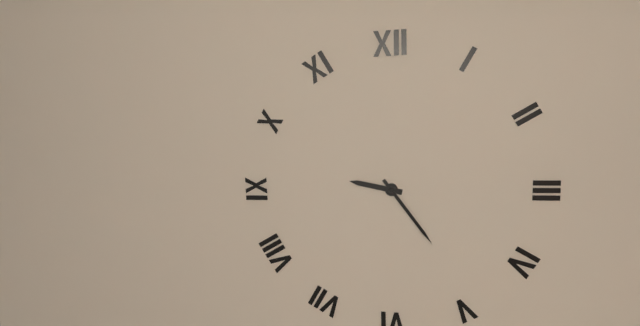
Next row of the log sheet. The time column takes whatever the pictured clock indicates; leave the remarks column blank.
9:24
